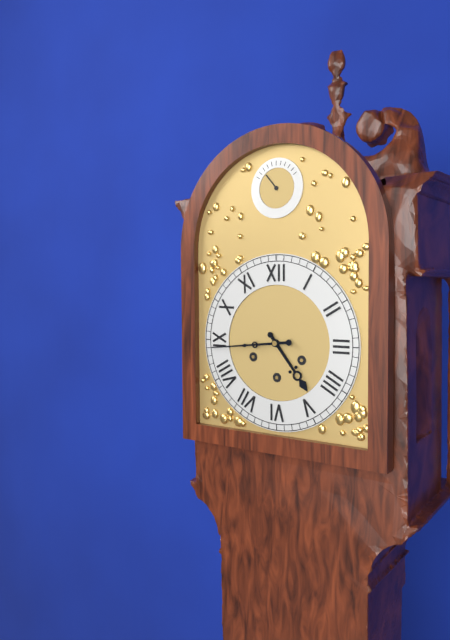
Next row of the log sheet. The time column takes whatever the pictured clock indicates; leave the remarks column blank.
4:44
